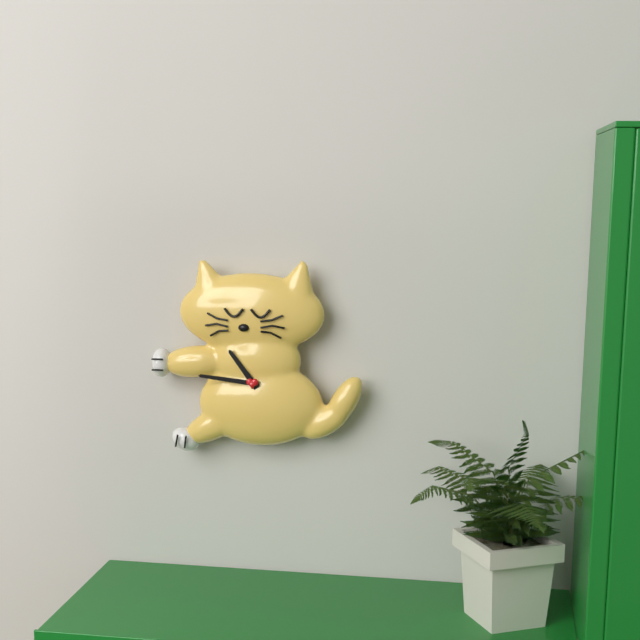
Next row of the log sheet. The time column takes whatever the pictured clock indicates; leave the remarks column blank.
10:46
